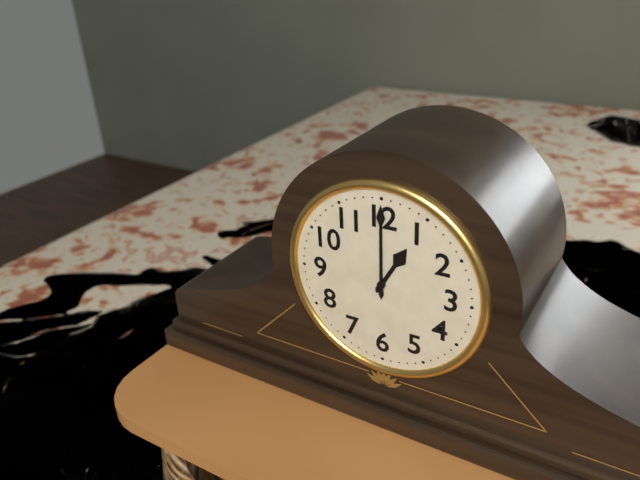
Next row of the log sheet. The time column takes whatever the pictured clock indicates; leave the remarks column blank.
1:00
